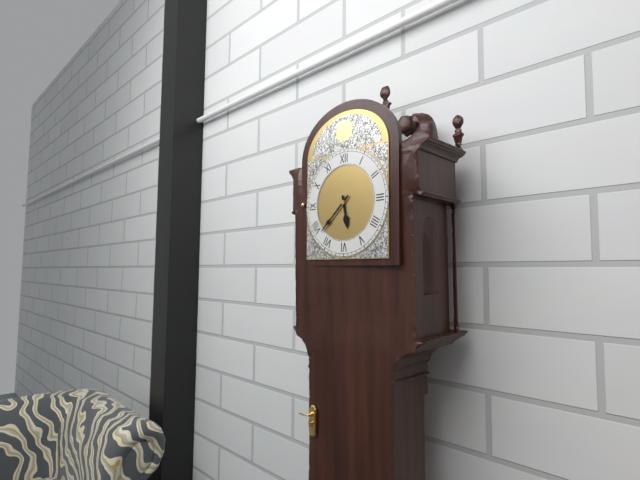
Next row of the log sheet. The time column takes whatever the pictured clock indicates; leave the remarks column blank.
5:38
